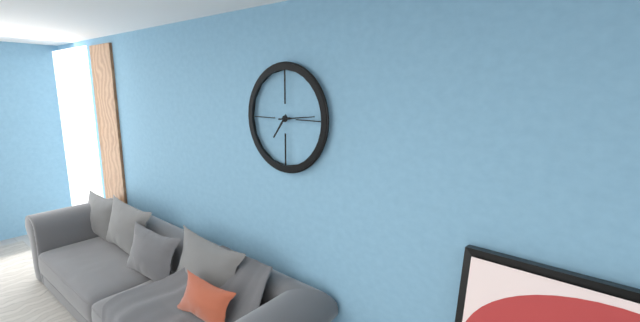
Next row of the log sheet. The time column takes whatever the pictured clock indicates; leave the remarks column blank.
7:14
